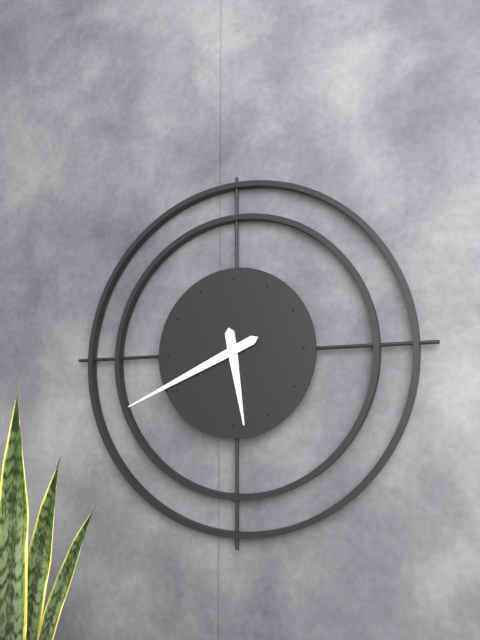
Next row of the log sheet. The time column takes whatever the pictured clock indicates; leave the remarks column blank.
5:41
